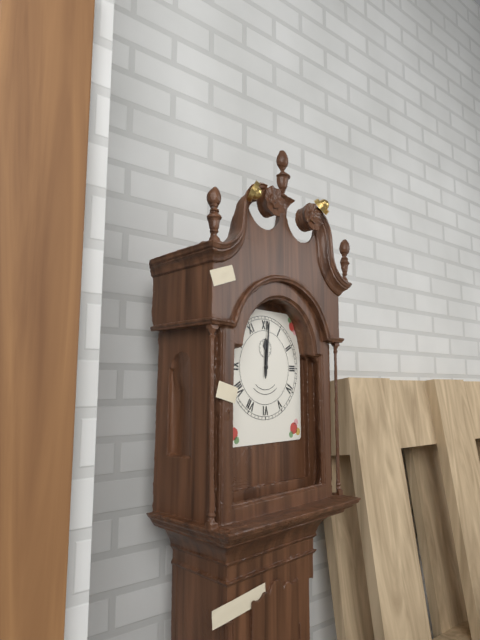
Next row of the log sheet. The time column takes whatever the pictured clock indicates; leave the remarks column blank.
12:01
